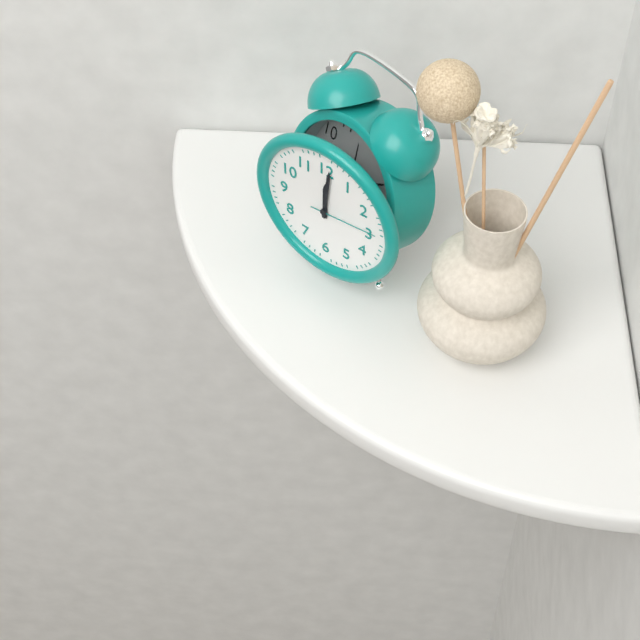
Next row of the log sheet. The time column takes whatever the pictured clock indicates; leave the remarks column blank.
12:01:14
